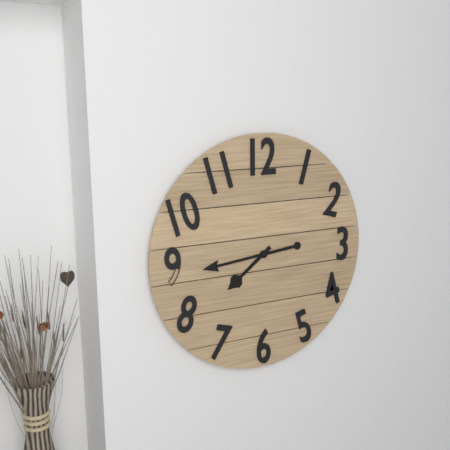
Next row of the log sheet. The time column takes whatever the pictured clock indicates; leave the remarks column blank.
7:44
